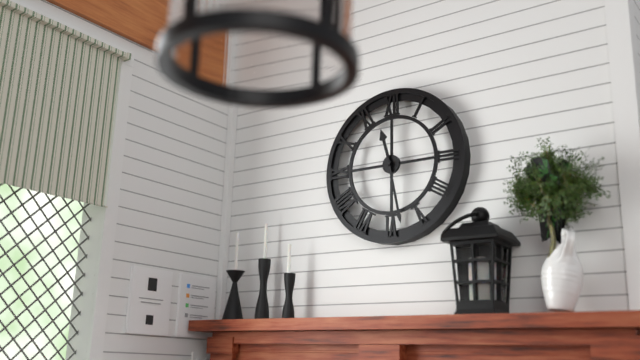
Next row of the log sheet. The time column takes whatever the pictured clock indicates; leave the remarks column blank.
11:28
